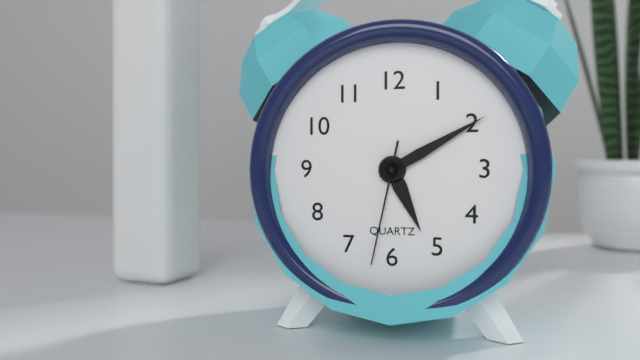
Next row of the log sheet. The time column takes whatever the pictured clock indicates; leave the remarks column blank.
5:10:32
